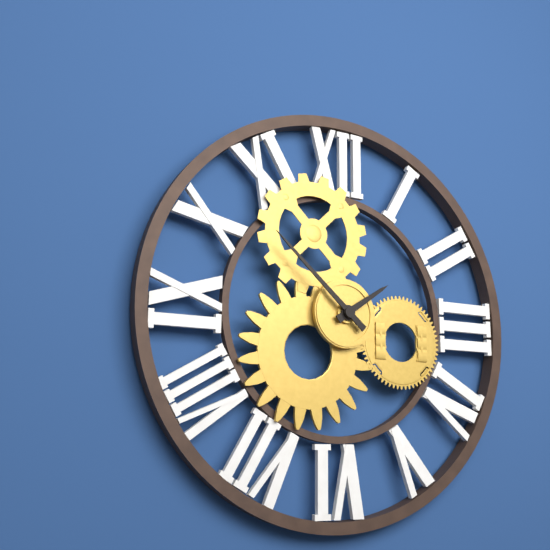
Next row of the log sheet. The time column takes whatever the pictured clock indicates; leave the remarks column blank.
1:52
